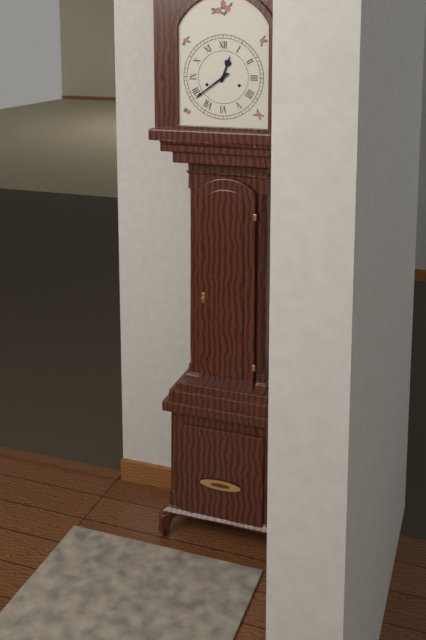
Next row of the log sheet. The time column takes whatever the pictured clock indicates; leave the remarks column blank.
12:39
